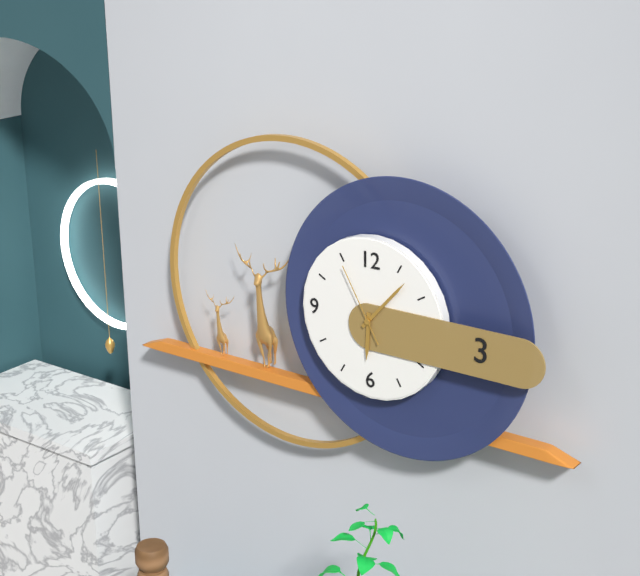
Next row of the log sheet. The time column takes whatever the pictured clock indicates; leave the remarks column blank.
6:07:55
